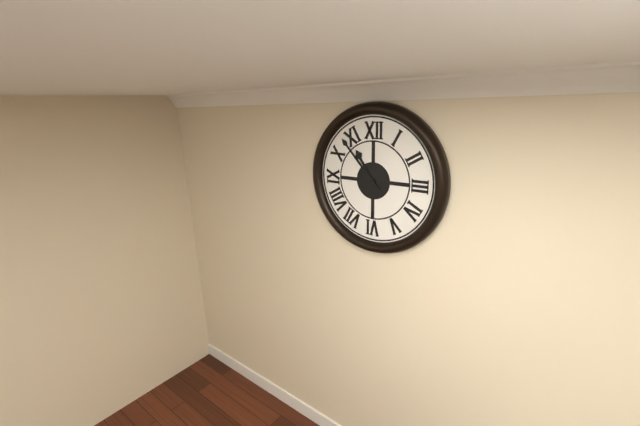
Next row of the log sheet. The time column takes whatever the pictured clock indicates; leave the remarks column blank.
10:53
